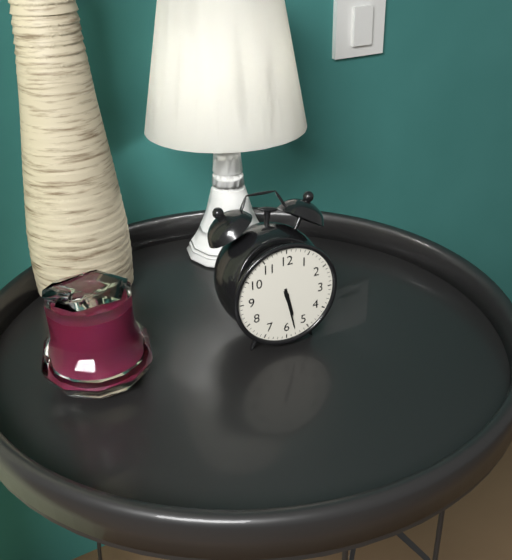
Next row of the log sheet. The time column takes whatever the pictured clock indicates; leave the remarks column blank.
5:28
